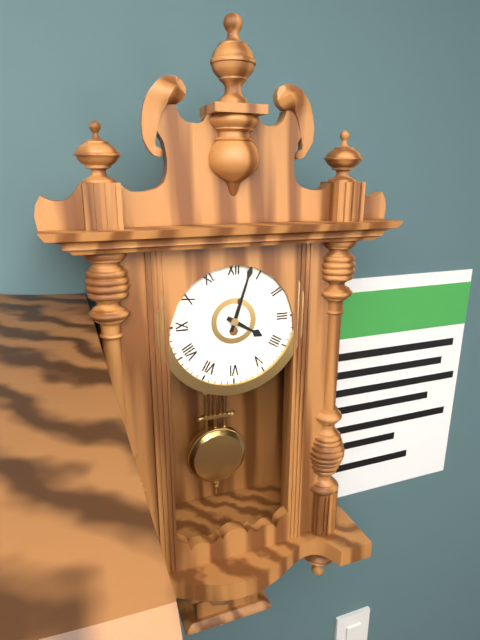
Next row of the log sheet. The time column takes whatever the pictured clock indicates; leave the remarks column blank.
4:03
